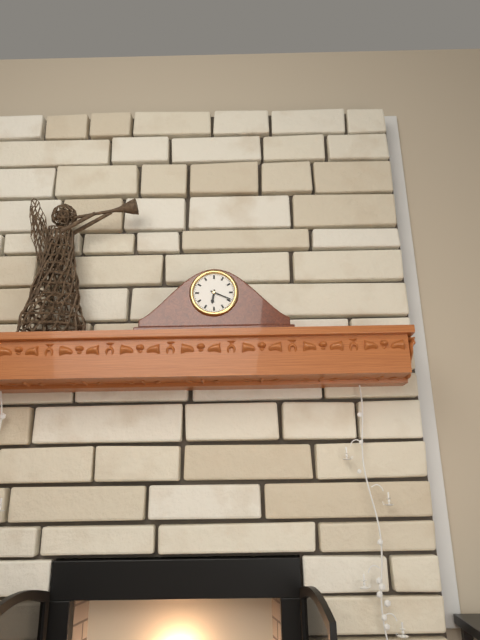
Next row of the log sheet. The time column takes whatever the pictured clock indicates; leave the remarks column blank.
6:19
